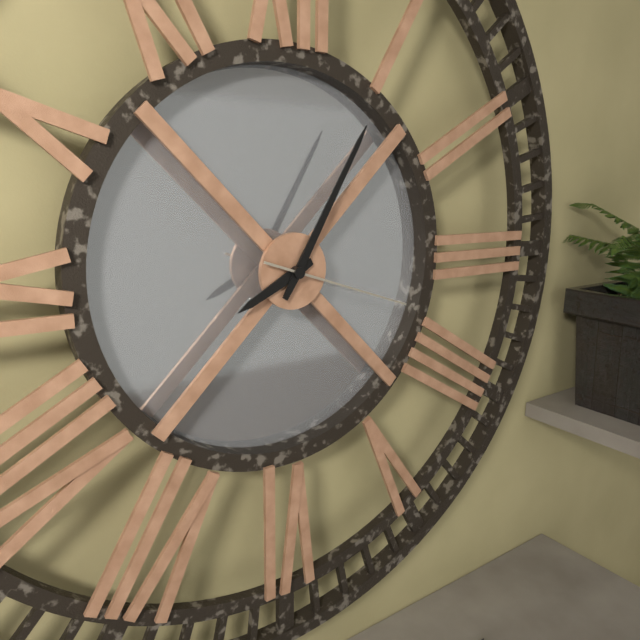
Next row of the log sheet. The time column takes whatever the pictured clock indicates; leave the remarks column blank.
8:05:18
